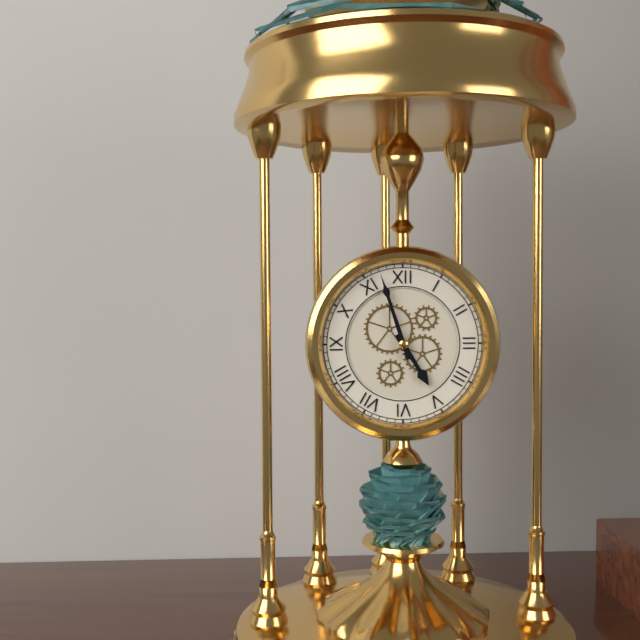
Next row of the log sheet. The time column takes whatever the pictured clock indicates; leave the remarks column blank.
4:57
